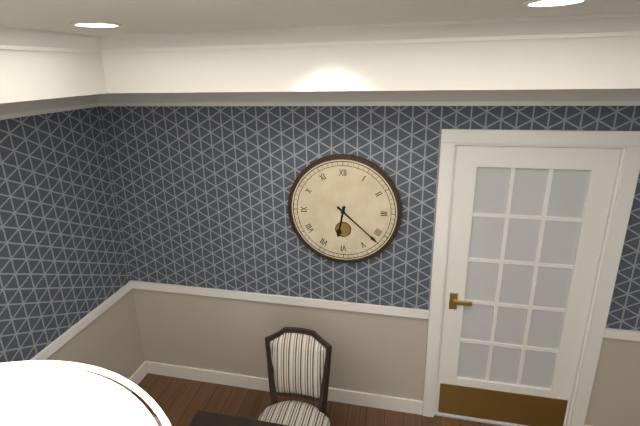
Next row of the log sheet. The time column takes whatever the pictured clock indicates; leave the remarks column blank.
6:22
